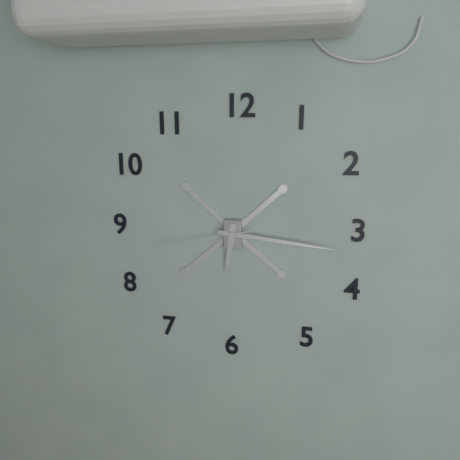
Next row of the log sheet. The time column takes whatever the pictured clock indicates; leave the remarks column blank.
6:16:43
